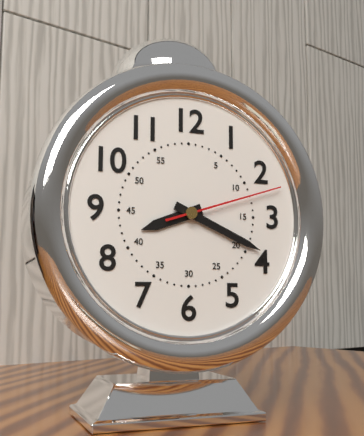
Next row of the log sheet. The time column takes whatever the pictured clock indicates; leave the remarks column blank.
8:19:12
